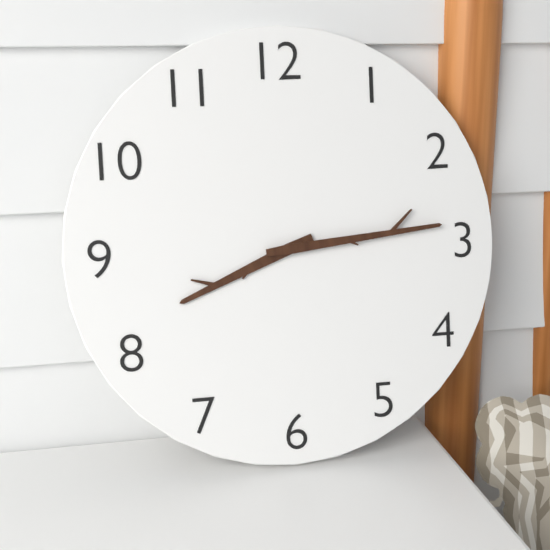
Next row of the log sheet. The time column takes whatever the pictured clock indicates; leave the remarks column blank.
8:14
